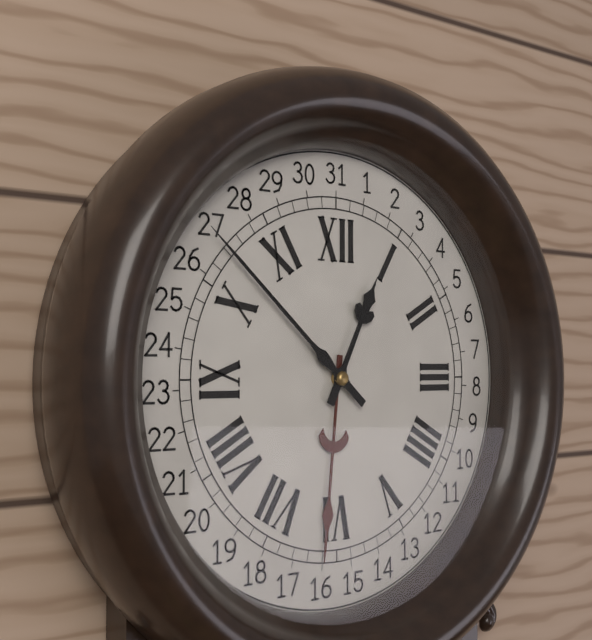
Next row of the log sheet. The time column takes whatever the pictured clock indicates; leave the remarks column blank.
12:52
